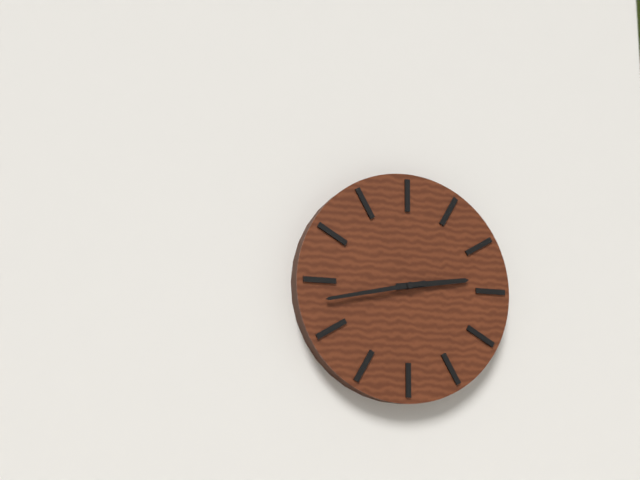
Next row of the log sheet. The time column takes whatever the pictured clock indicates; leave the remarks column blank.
2:43
